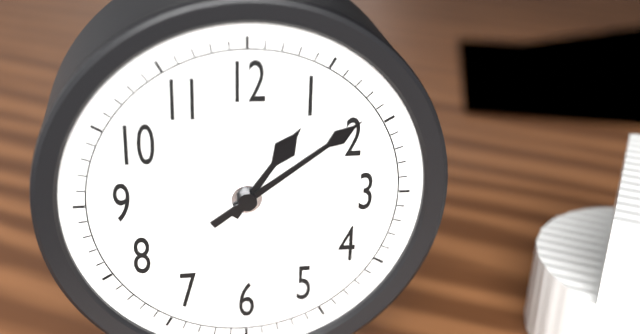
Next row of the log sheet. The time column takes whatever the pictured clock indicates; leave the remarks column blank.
1:09
